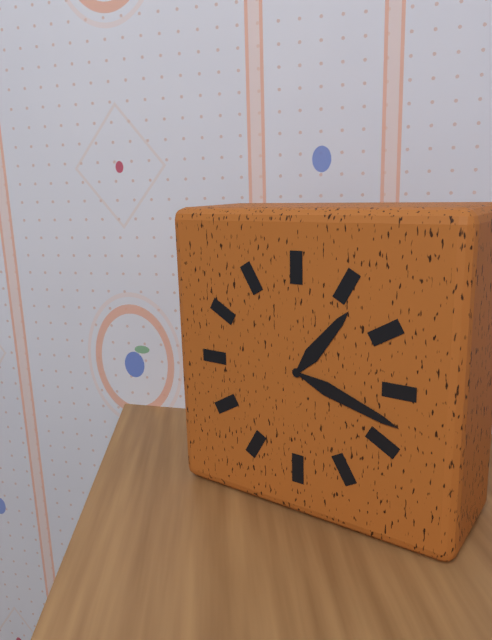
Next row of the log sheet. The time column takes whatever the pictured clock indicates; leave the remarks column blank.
1:18
